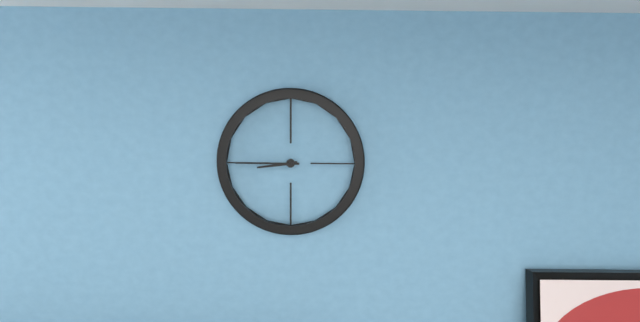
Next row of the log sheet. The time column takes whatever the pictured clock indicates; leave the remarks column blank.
8:45
